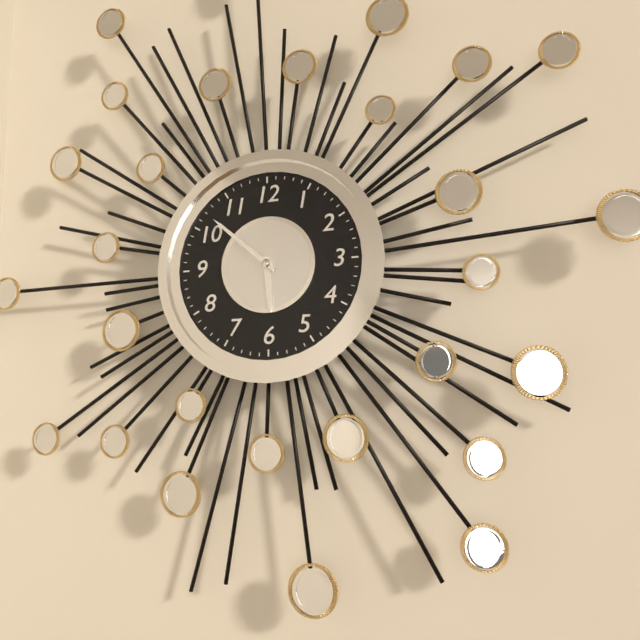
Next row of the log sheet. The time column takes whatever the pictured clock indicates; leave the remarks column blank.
5:52
